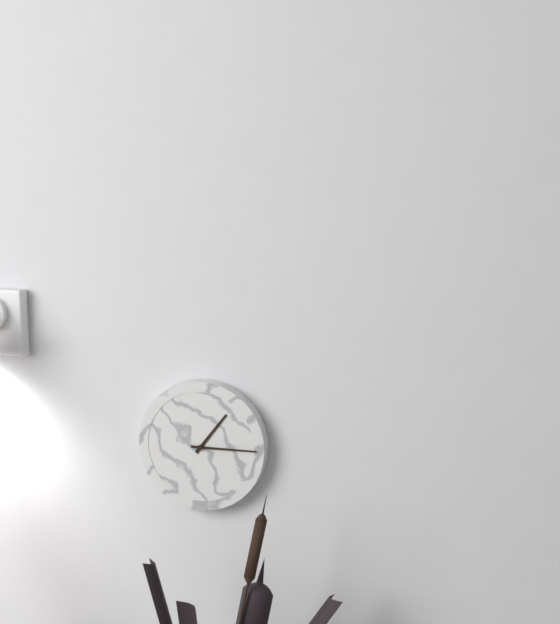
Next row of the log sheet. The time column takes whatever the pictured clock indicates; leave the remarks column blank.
1:15
